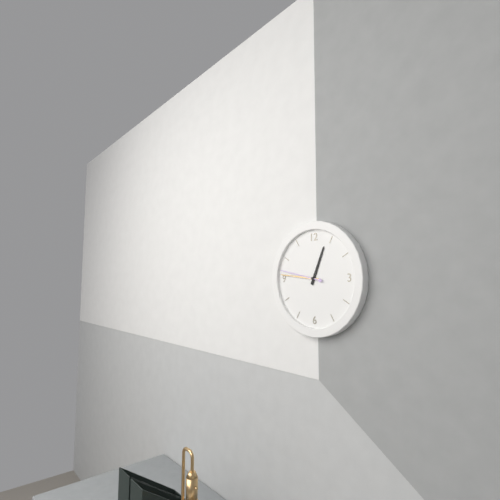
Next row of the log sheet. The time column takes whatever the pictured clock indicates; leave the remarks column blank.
12:46
